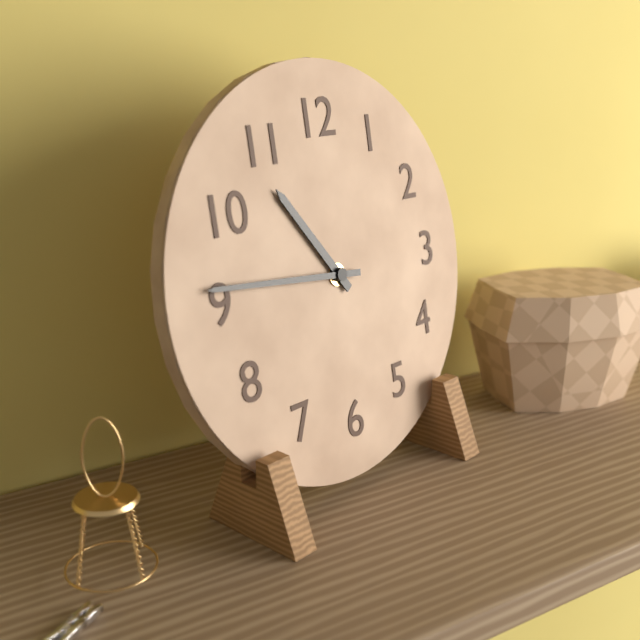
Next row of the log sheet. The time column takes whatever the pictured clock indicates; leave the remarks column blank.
10:46
